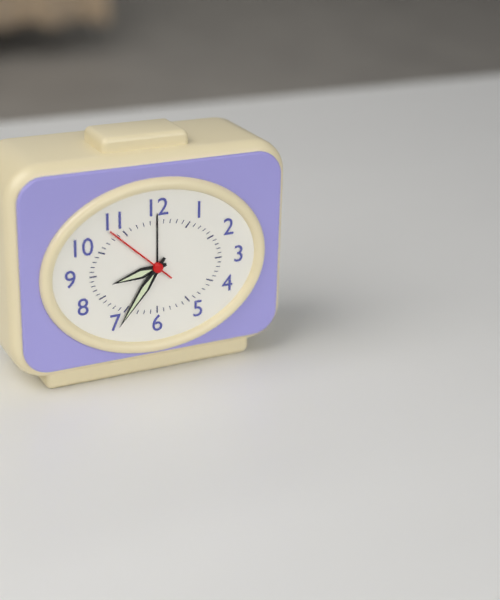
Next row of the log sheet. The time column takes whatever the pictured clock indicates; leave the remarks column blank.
8:36:52
